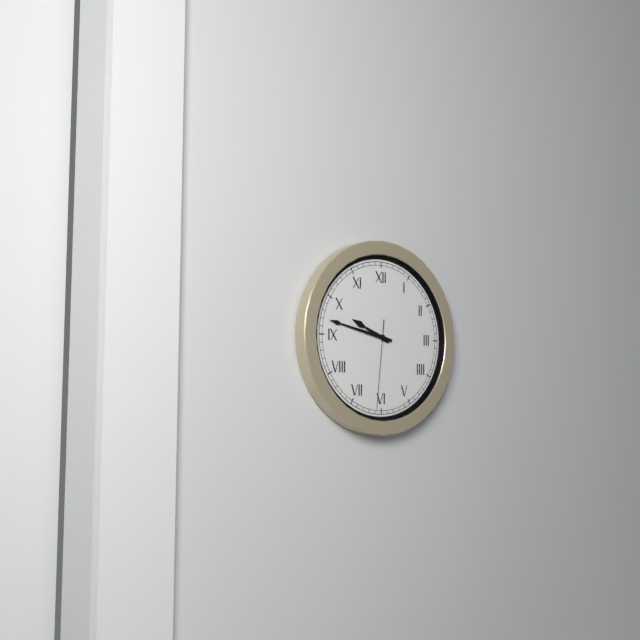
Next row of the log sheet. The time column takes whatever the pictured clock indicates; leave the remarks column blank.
9:47:31
